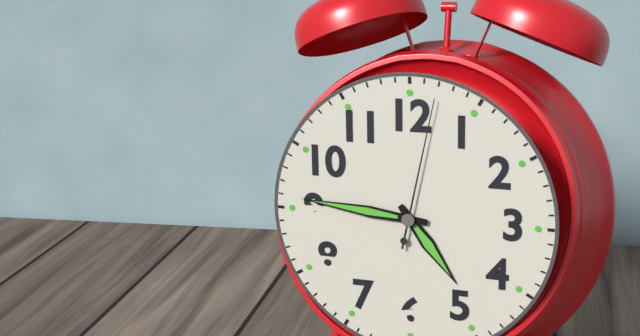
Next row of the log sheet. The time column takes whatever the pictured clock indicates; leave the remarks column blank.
4:46:02
